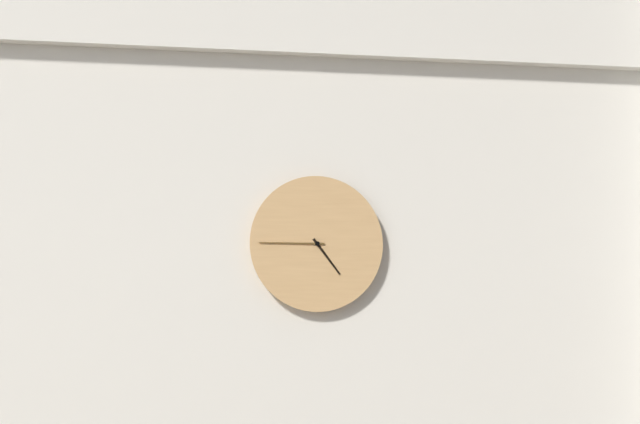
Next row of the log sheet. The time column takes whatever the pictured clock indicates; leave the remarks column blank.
4:45
